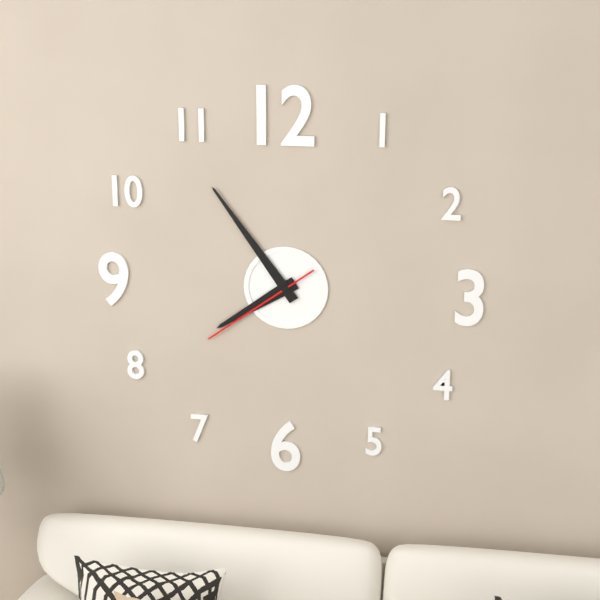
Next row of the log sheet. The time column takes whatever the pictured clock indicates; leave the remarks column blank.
7:54:39
